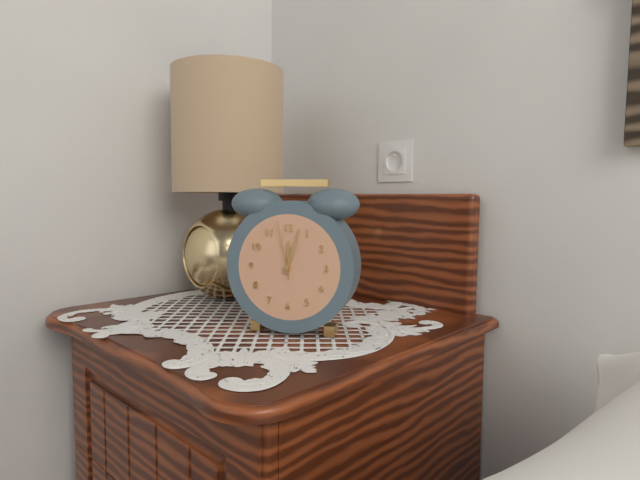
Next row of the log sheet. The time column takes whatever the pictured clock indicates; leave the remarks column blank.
12:03:58
